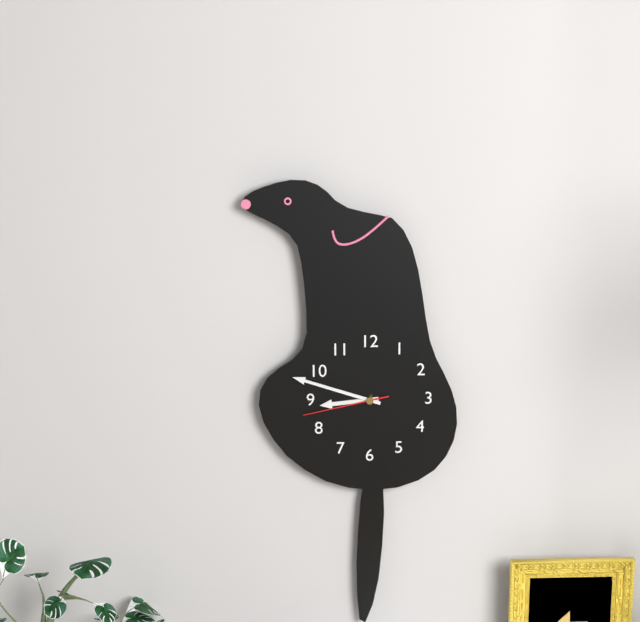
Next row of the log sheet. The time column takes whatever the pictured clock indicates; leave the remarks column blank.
8:48:43
